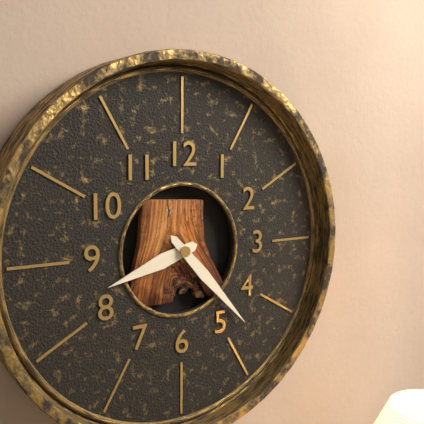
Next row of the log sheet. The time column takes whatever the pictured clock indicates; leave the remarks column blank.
8:23
